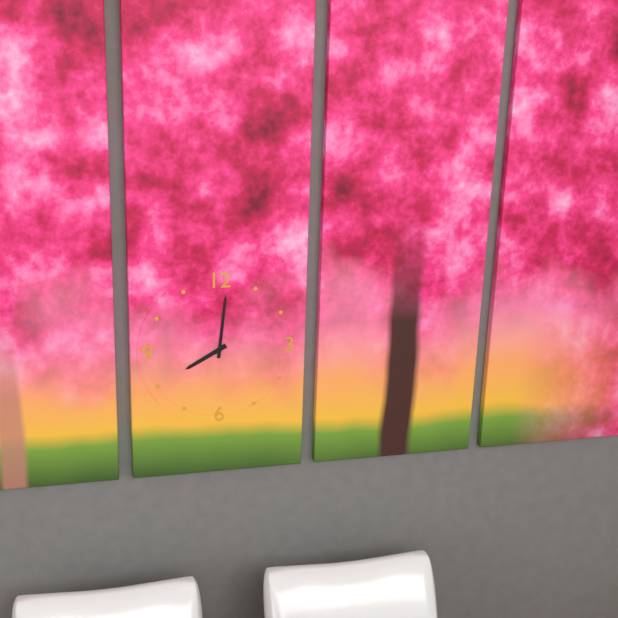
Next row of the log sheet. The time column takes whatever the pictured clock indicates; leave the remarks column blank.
8:01
